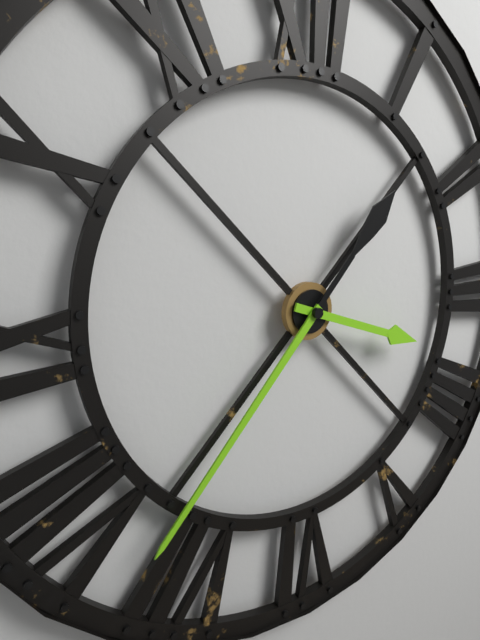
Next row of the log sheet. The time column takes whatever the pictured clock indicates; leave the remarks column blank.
3:37
